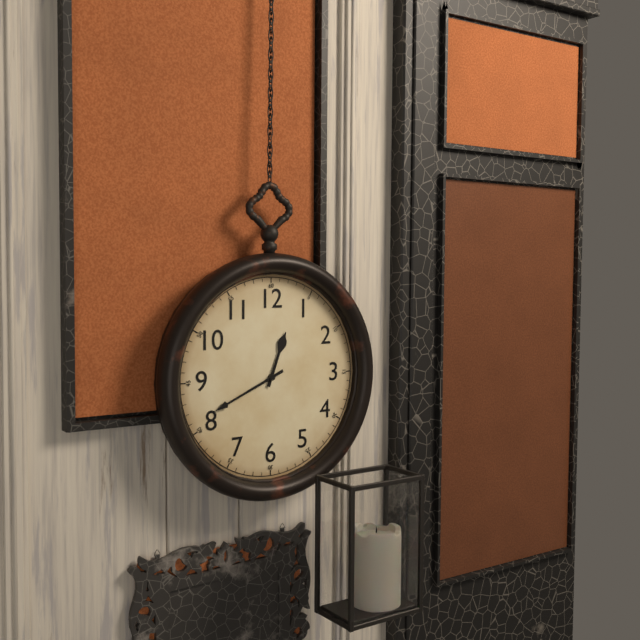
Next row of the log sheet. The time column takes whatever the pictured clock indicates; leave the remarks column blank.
12:41
